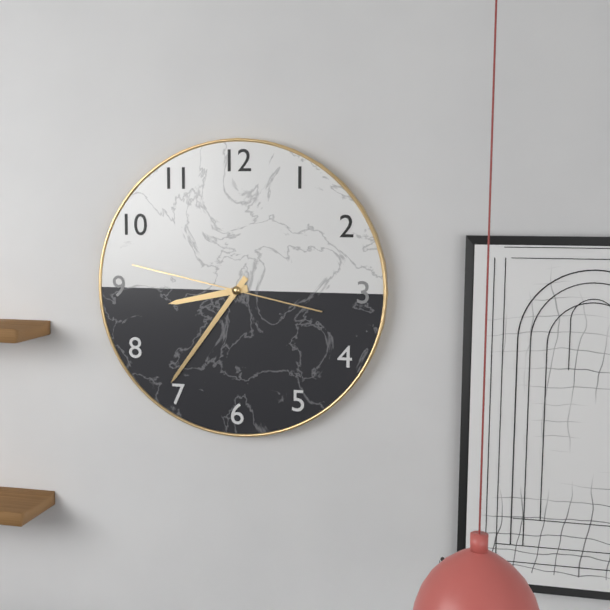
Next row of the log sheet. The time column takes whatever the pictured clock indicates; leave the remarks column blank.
8:36:47
